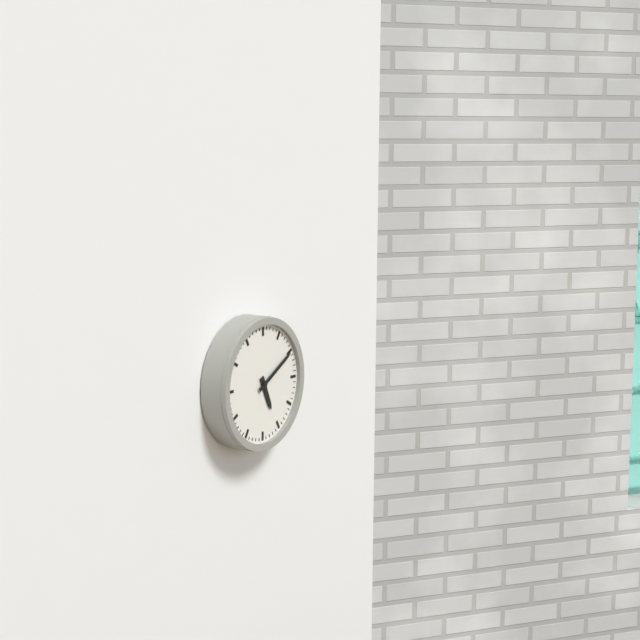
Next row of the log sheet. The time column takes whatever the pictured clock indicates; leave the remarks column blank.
5:10
